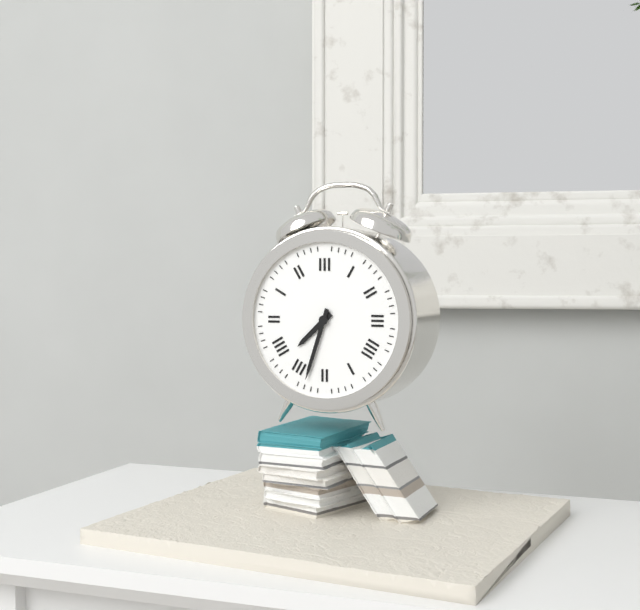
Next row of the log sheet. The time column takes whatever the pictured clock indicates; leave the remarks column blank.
7:33
